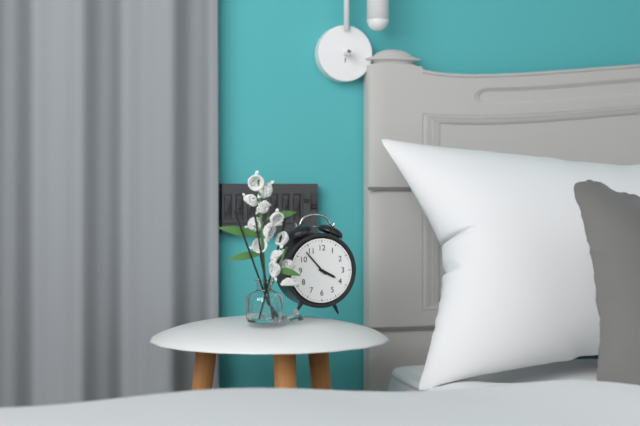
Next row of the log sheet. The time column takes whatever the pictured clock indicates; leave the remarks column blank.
3:53
